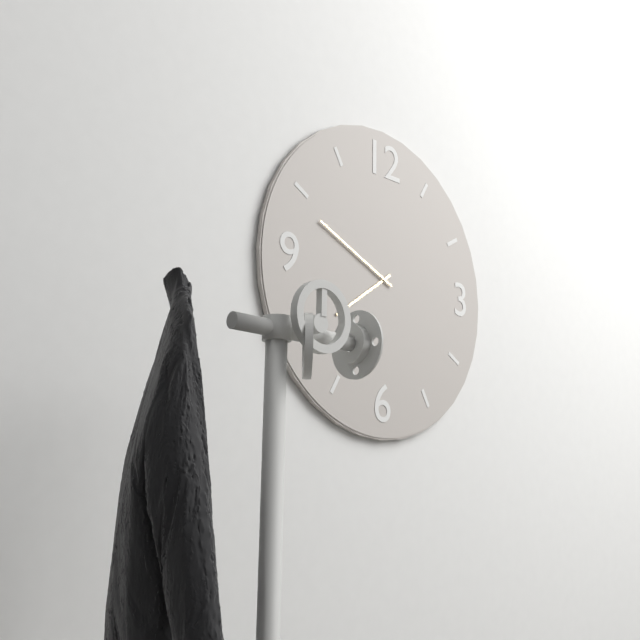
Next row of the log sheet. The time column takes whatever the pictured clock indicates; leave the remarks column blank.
7:49
